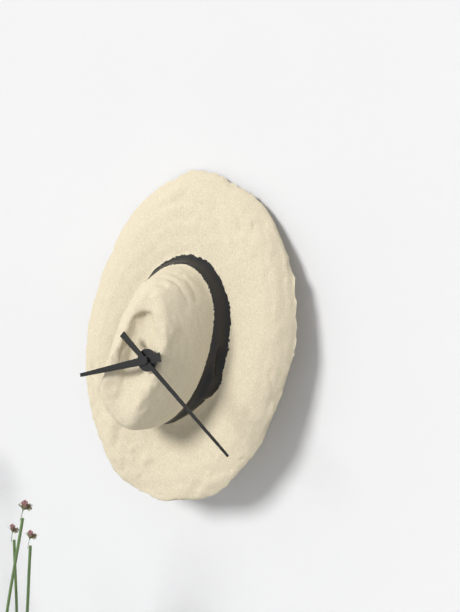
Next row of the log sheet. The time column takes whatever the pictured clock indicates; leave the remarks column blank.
8:21
